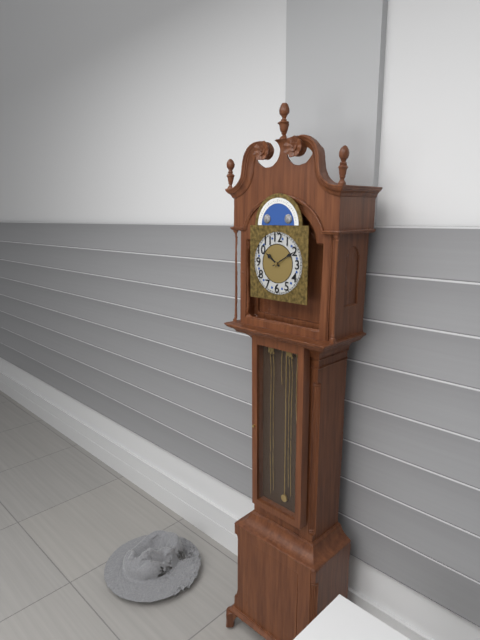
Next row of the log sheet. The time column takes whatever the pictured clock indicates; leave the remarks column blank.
10:10
